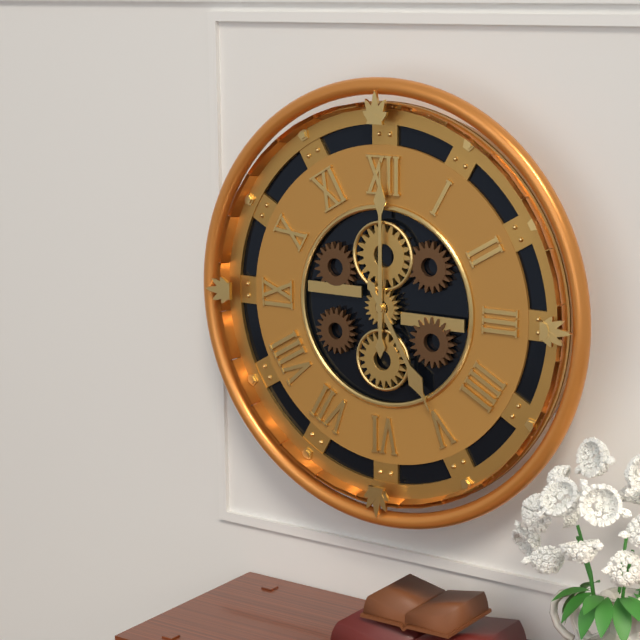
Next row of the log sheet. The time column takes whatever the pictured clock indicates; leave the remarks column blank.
5:00
